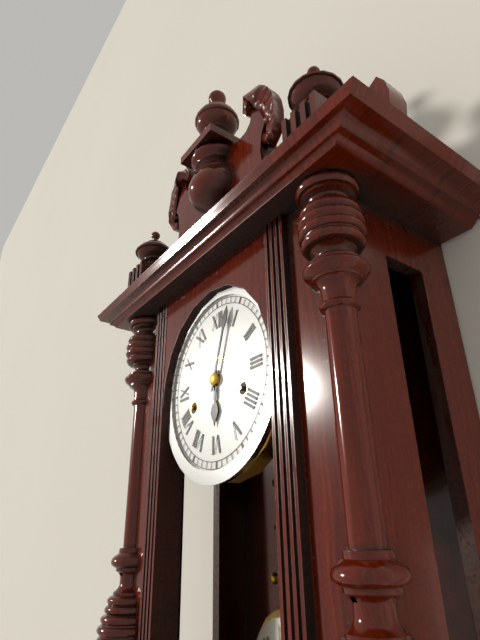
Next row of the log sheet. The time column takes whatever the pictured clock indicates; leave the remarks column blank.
6:03
